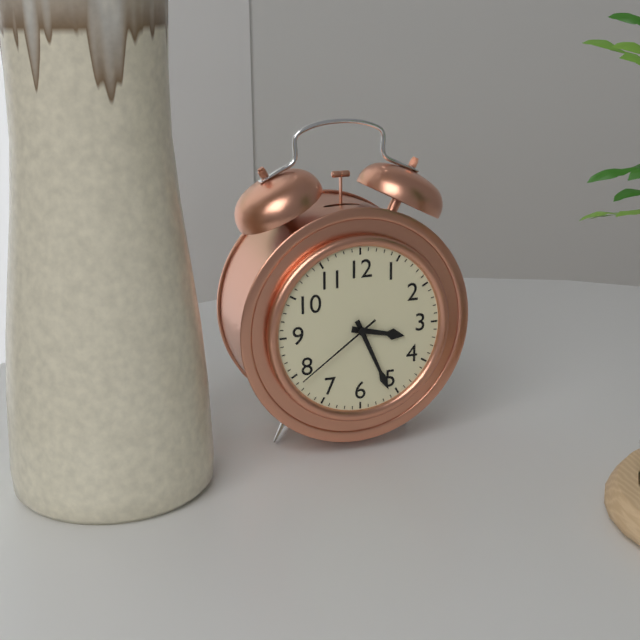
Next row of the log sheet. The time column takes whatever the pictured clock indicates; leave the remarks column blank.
3:26:39
